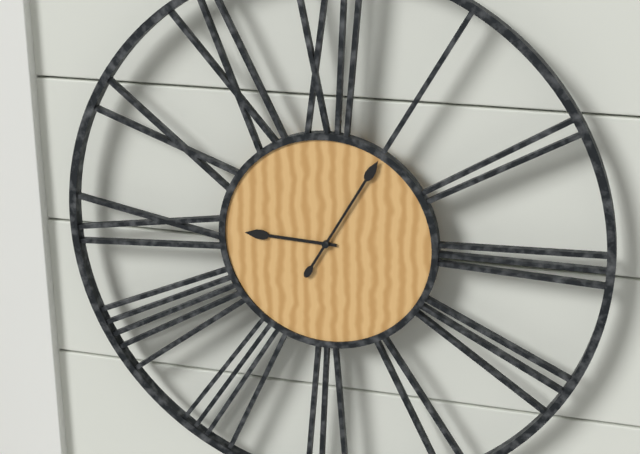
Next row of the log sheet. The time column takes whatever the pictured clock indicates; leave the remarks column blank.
9:05
